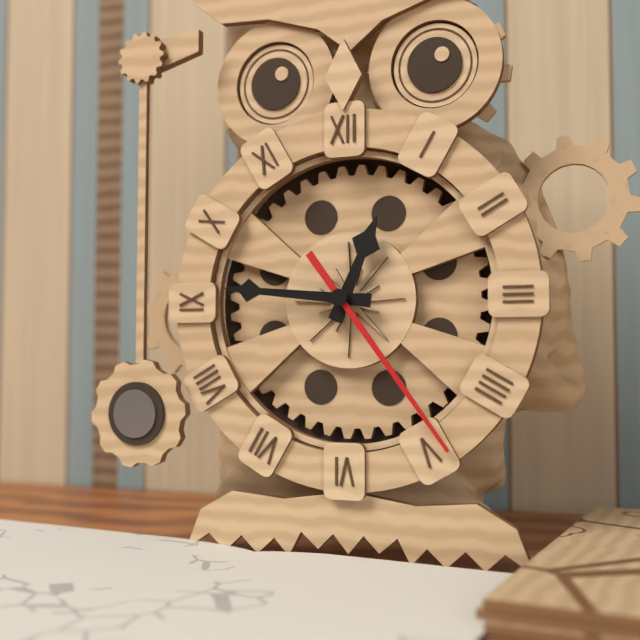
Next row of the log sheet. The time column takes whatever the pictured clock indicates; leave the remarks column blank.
12:46:24
